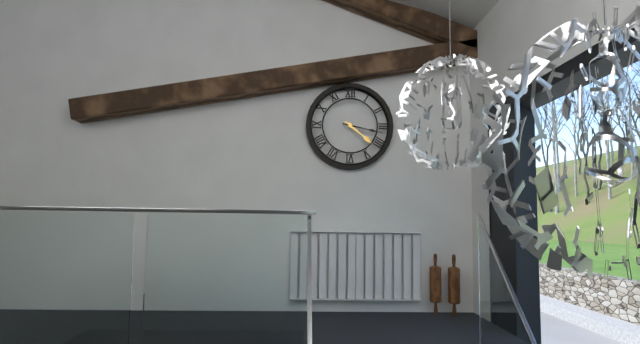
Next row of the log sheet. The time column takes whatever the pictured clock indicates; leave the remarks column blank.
4:17
